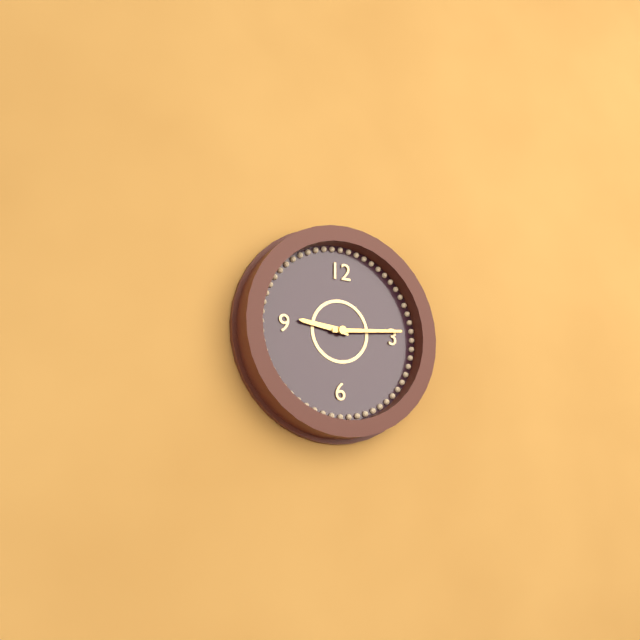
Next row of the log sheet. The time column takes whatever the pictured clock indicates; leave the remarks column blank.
9:14
